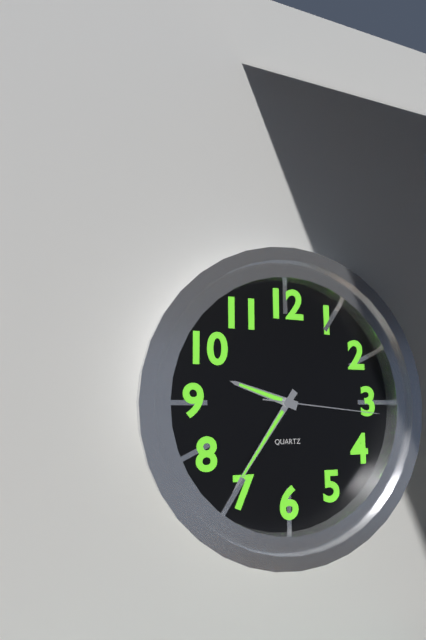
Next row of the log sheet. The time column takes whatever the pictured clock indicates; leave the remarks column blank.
9:36:16
